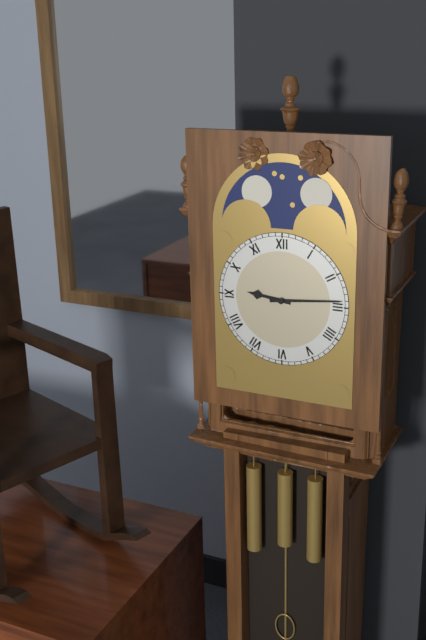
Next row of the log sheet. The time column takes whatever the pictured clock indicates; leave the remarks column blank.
9:14
